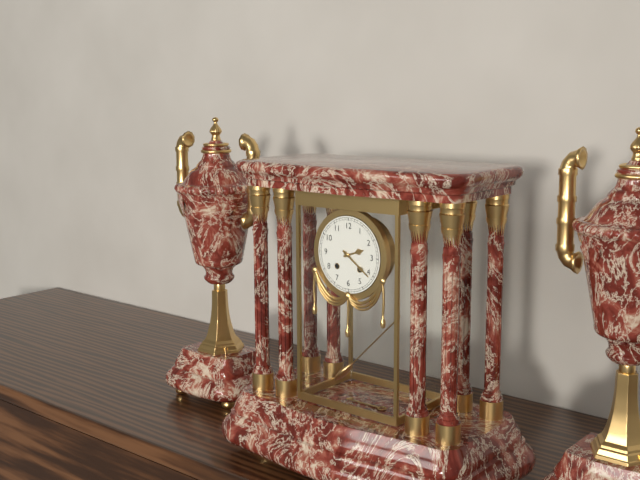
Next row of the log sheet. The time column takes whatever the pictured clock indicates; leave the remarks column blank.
2:21
